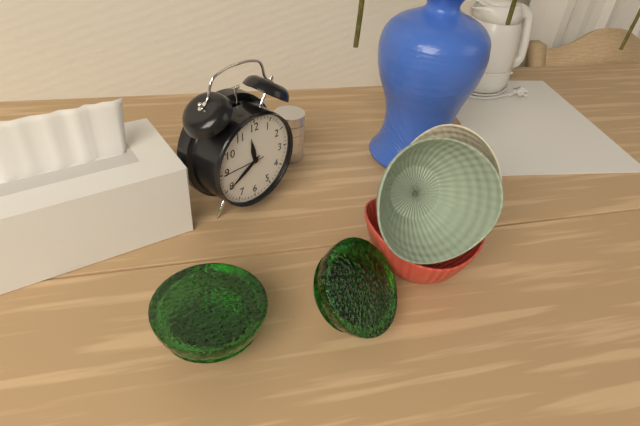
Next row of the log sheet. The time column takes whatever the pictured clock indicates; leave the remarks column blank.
11:40
